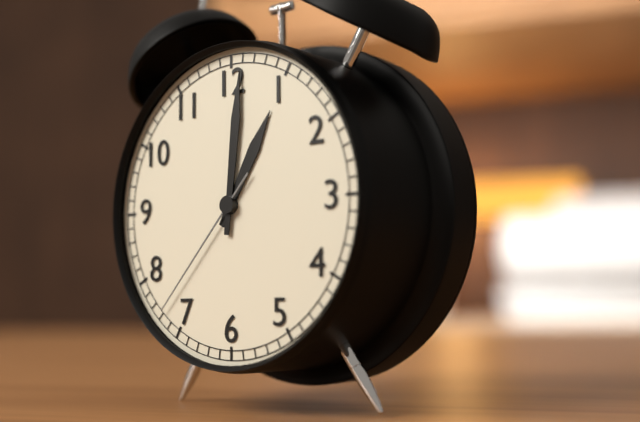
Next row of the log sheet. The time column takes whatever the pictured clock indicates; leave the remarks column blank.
1:01:37
